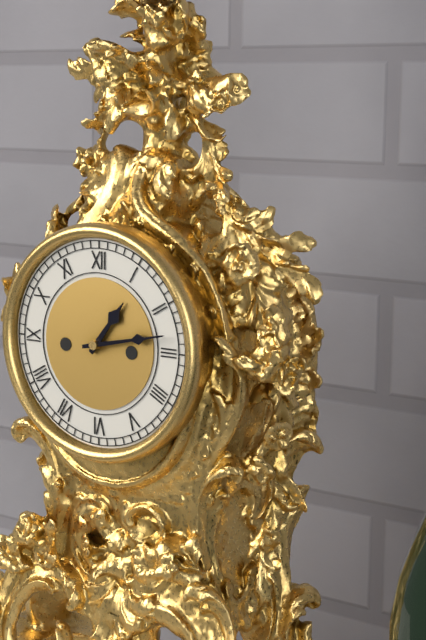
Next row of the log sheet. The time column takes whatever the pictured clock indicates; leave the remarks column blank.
1:13
